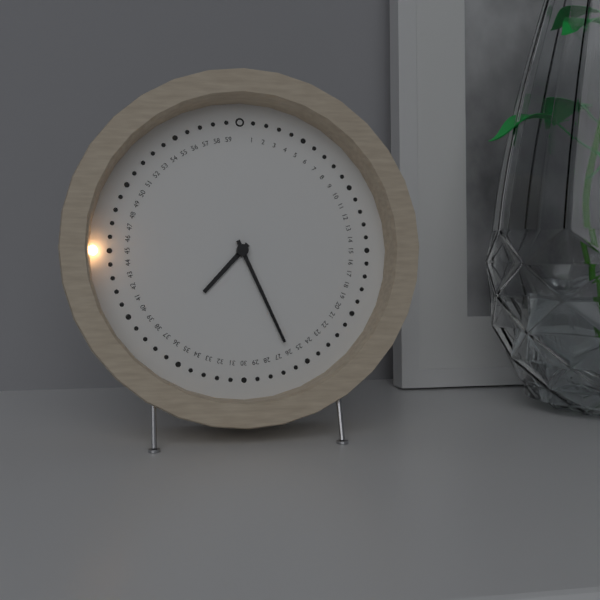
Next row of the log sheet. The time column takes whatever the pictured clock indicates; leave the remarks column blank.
7:26
